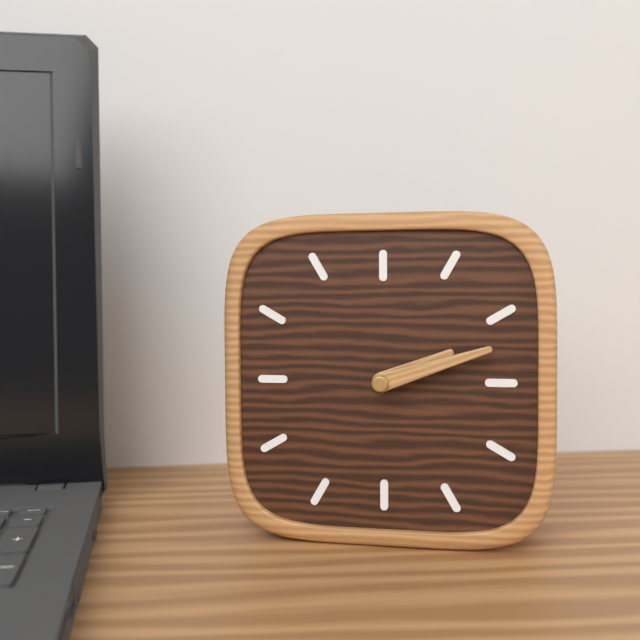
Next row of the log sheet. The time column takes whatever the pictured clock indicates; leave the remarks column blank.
2:12
